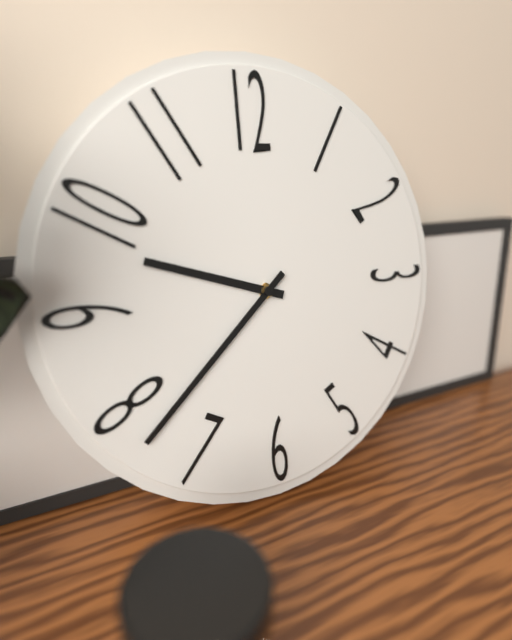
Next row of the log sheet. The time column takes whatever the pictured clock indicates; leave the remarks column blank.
9:38
